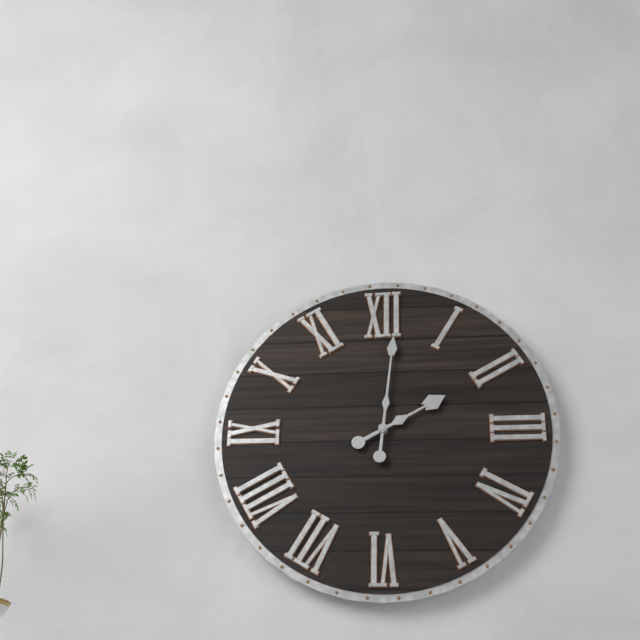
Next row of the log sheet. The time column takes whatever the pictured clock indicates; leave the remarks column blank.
2:01
